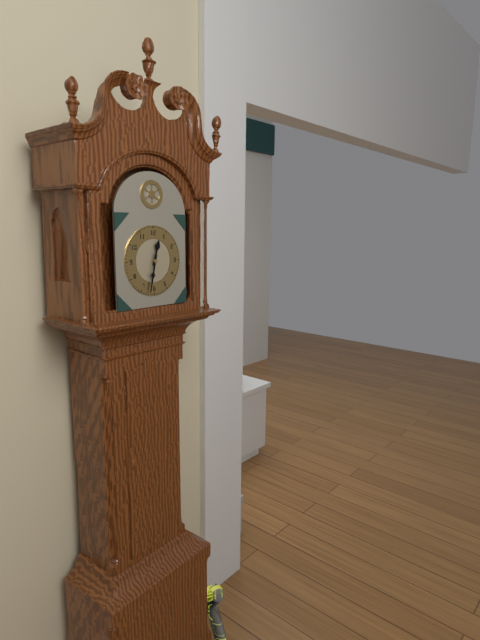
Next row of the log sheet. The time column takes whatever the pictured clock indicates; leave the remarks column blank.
12:32
